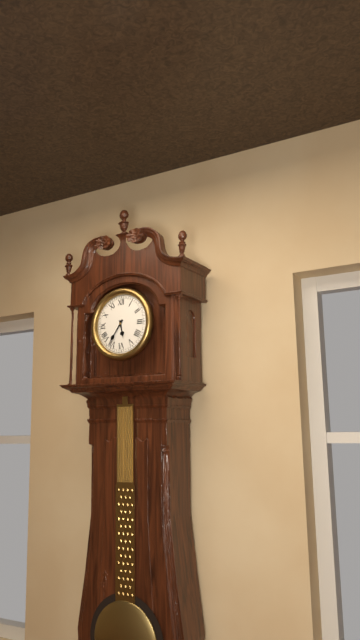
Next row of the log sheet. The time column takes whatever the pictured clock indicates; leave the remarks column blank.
5:36
